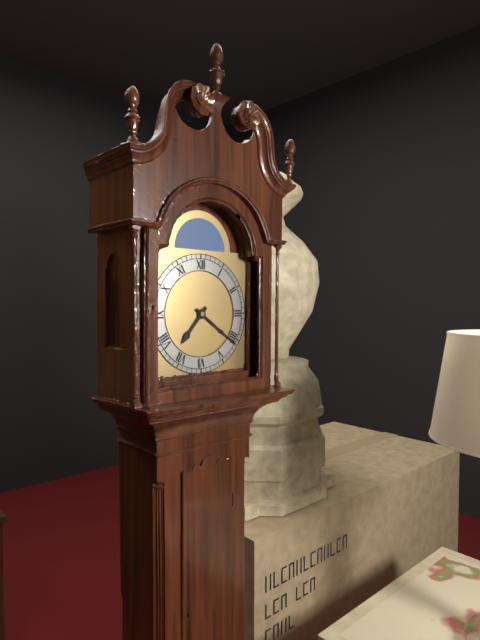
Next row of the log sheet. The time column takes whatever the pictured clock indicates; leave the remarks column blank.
7:21
